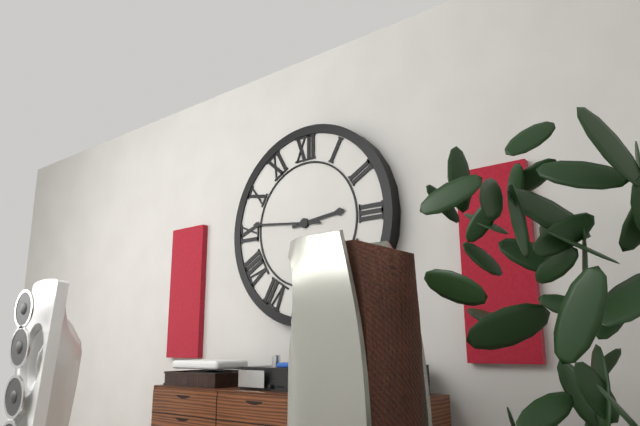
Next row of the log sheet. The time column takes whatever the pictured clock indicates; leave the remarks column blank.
2:46
